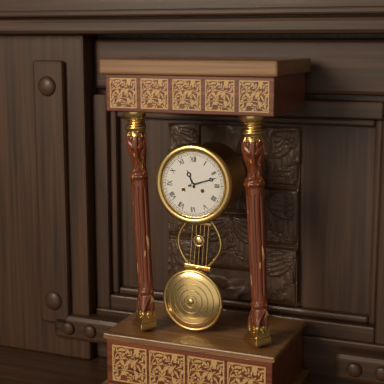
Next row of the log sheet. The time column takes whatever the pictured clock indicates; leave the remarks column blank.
11:12
